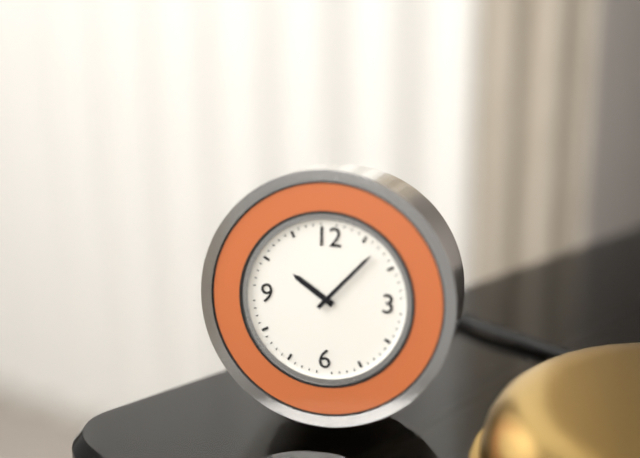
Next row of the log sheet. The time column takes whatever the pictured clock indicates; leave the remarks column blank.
10:07
